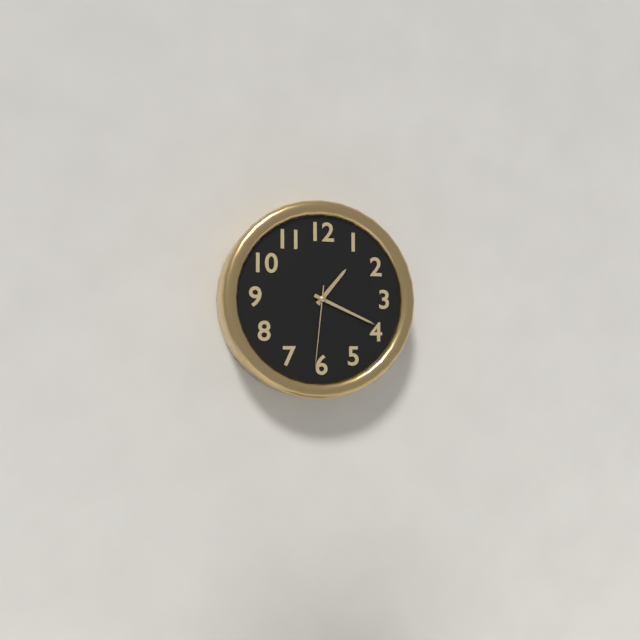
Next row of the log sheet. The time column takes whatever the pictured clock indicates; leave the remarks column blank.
1:19:31
